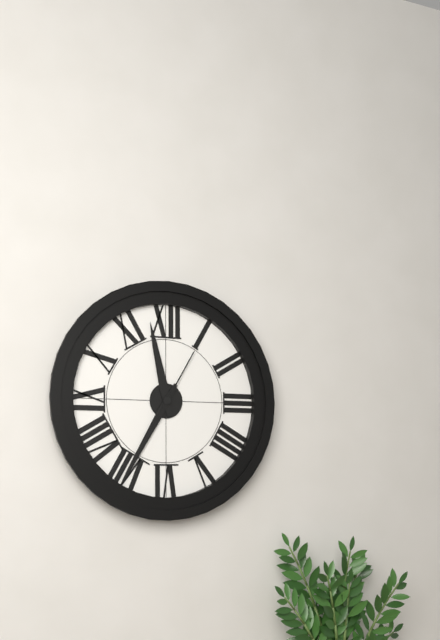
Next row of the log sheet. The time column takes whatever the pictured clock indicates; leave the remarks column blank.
11:35:05
